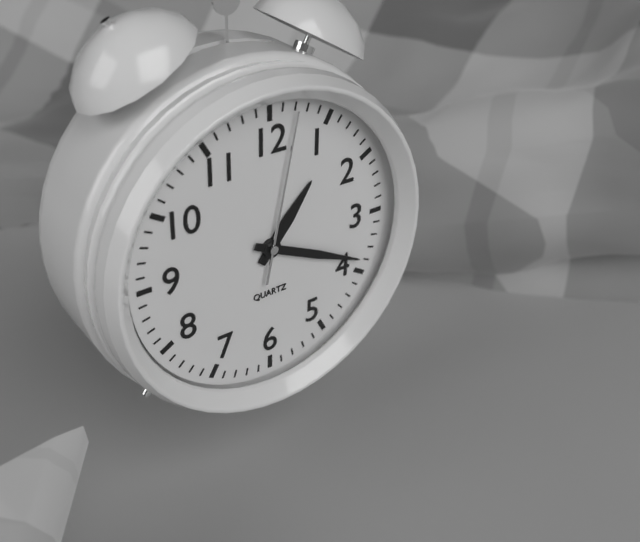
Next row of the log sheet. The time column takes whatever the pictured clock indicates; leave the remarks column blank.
1:19:02
